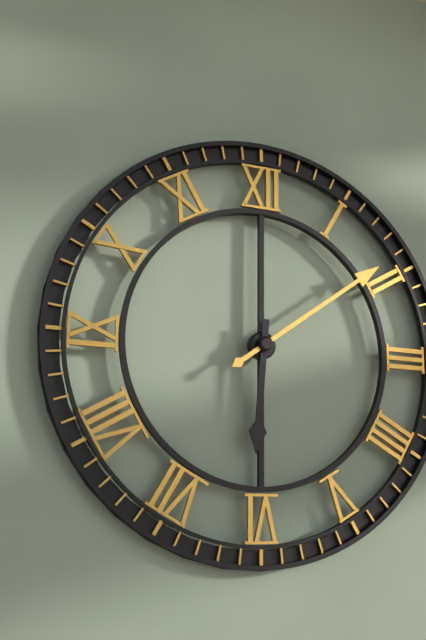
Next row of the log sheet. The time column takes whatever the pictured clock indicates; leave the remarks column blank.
6:09
